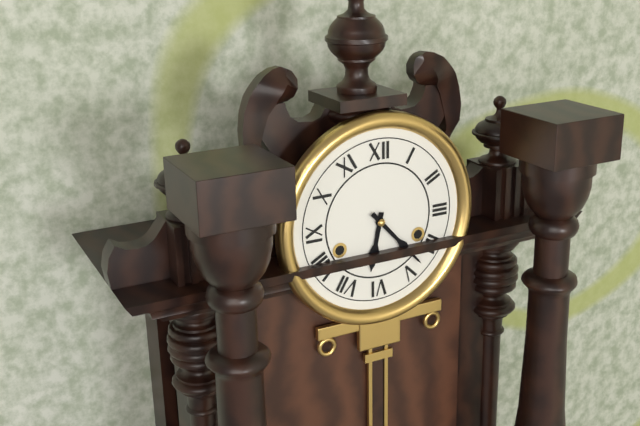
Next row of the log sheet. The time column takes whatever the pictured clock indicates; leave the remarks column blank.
6:23
